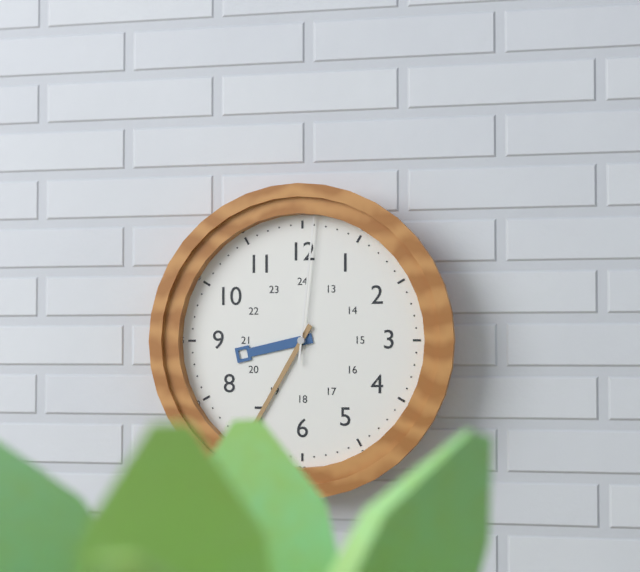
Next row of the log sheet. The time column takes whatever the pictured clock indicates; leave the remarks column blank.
8:35:01
